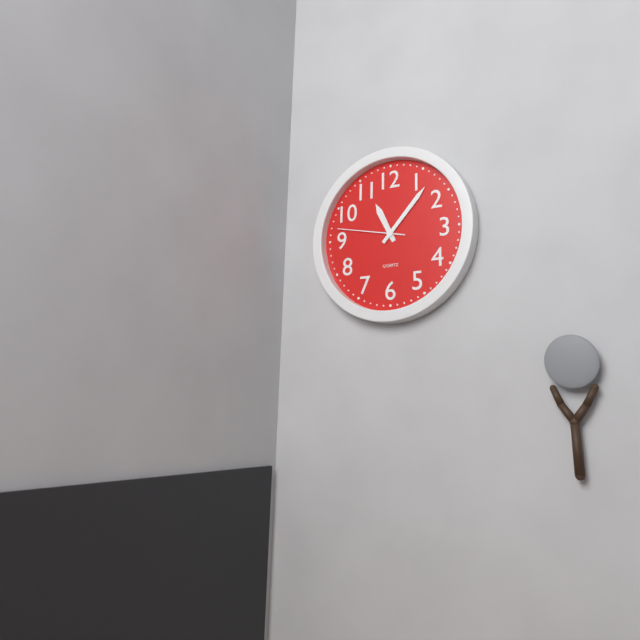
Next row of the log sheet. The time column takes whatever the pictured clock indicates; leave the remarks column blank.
11:07:47
